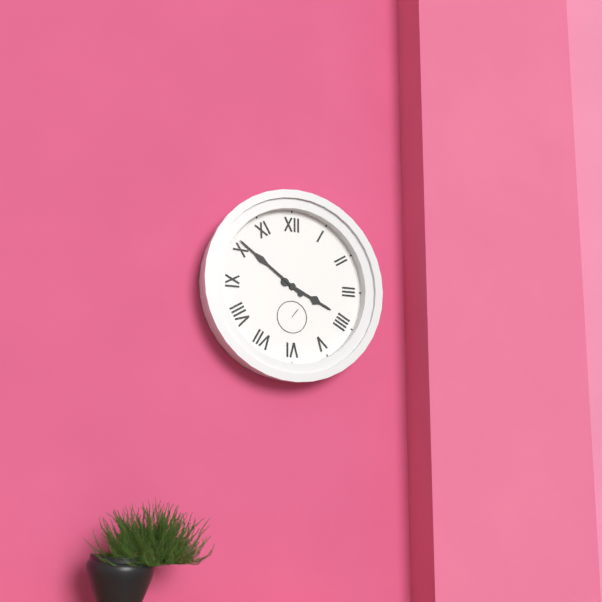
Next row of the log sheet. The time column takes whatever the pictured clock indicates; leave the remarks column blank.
3:51
